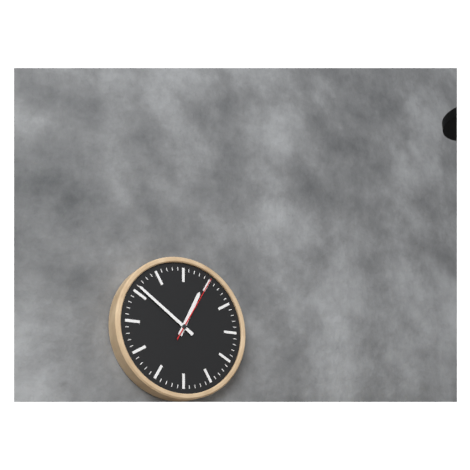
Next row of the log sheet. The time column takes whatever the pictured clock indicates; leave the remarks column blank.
12:51:05
